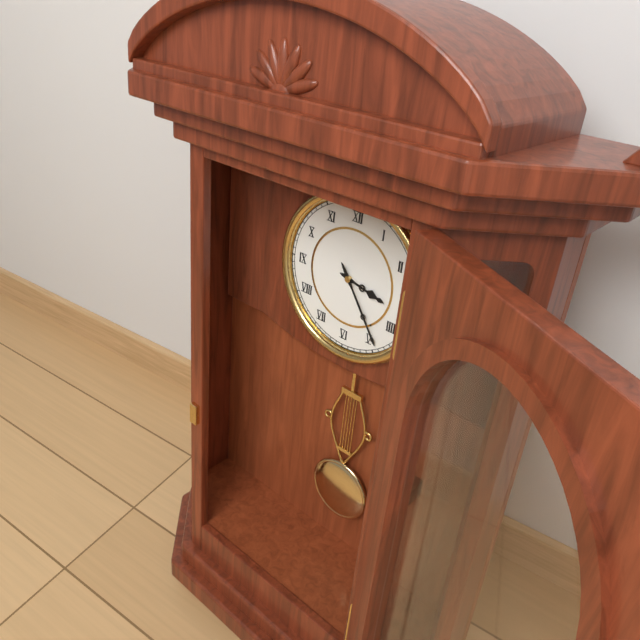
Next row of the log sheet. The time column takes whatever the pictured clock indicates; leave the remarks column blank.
3:24
